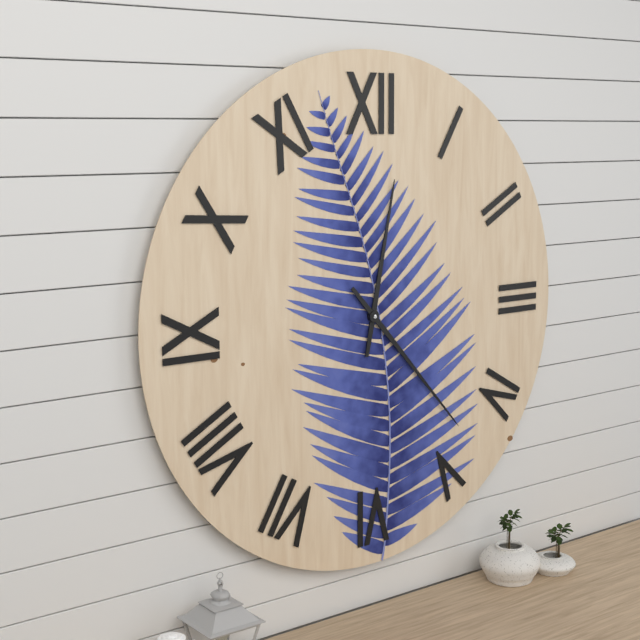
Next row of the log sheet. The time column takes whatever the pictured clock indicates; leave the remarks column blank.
12:23
